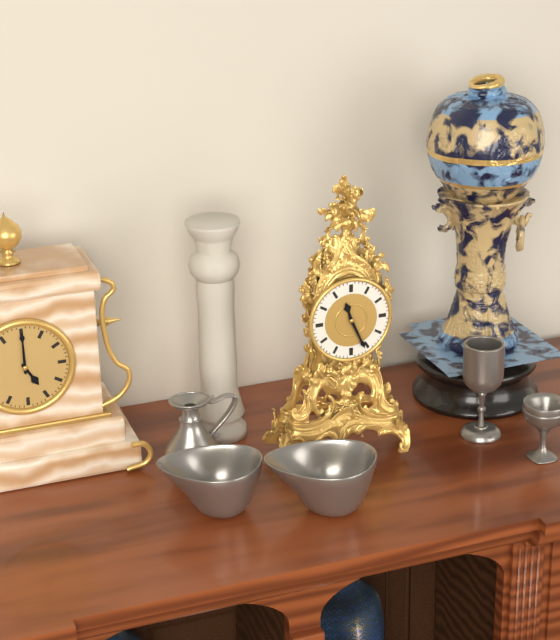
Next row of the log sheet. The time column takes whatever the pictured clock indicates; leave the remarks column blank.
11:26
